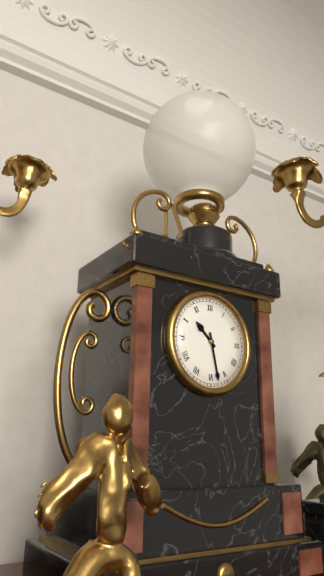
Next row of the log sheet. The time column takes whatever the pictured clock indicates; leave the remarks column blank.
10:28
